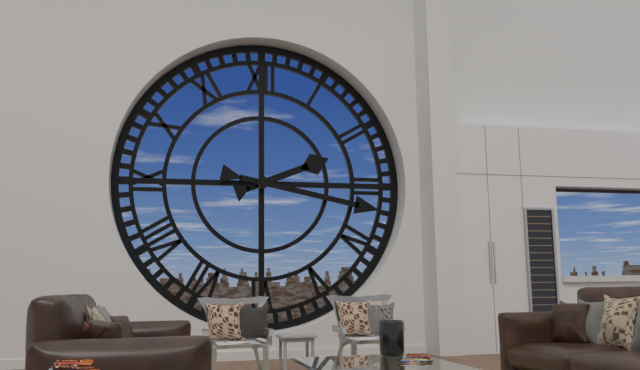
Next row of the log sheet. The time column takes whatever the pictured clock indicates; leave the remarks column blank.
2:17
